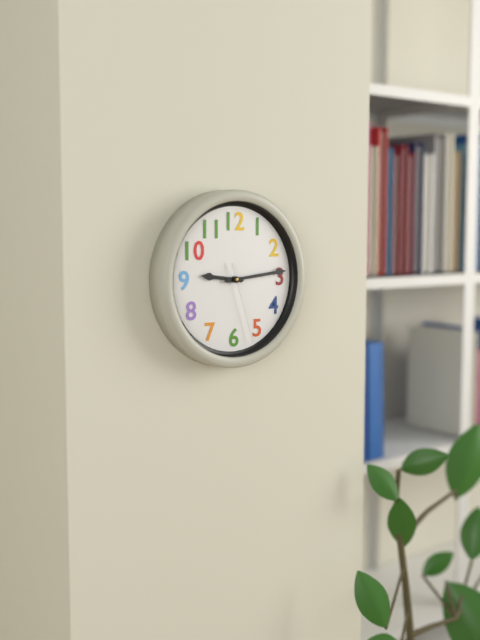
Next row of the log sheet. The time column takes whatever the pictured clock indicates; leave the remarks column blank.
9:14:27
